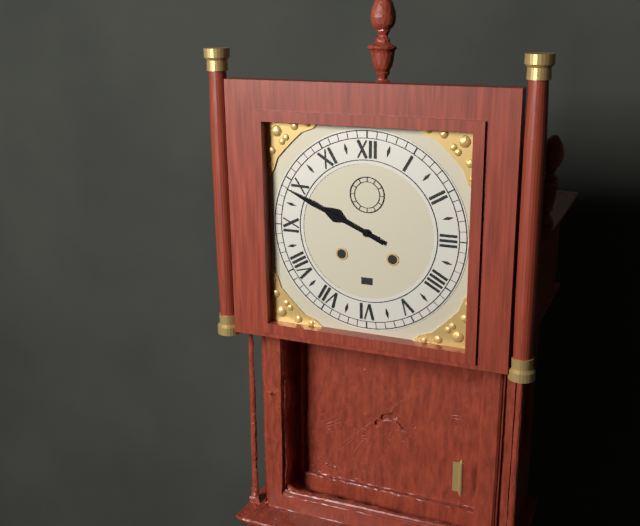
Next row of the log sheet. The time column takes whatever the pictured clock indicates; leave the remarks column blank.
9:49
